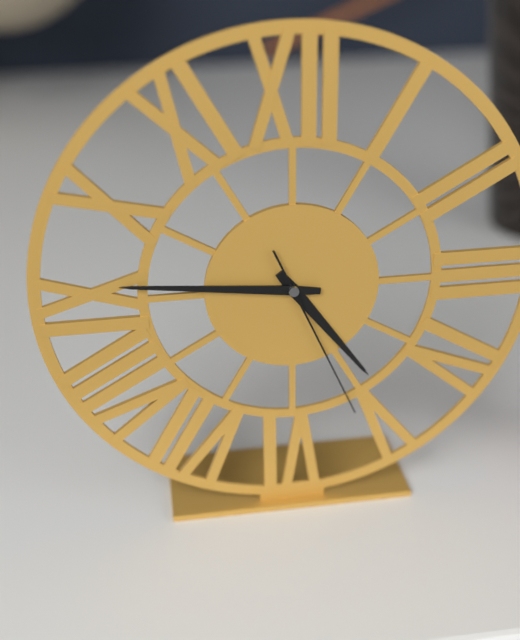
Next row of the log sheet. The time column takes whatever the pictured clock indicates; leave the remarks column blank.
4:46:26
